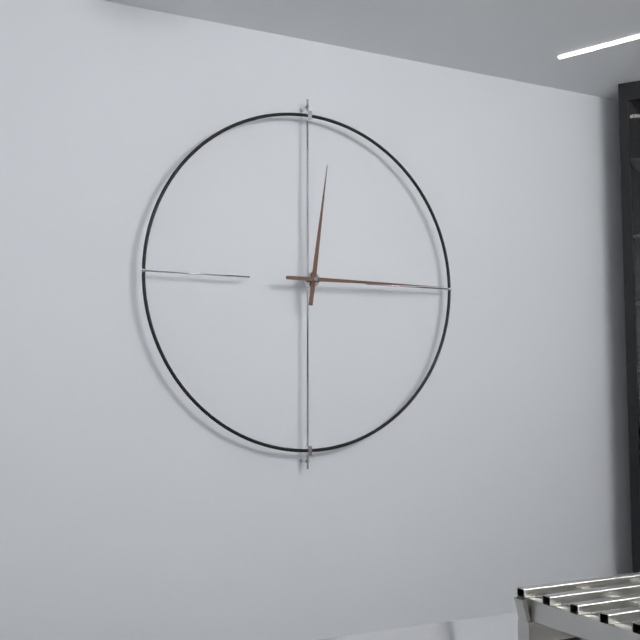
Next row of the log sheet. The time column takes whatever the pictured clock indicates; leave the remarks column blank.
12:15
